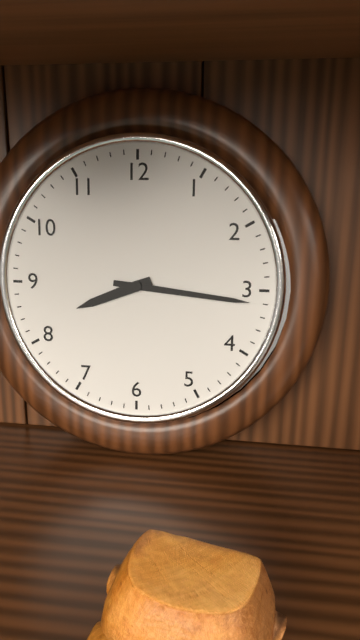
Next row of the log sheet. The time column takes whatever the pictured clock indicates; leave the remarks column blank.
8:16
